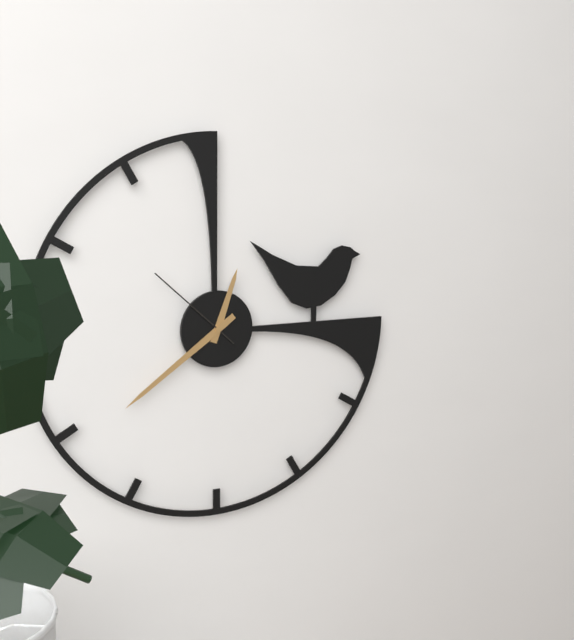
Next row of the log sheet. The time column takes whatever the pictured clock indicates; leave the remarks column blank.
12:39:52
